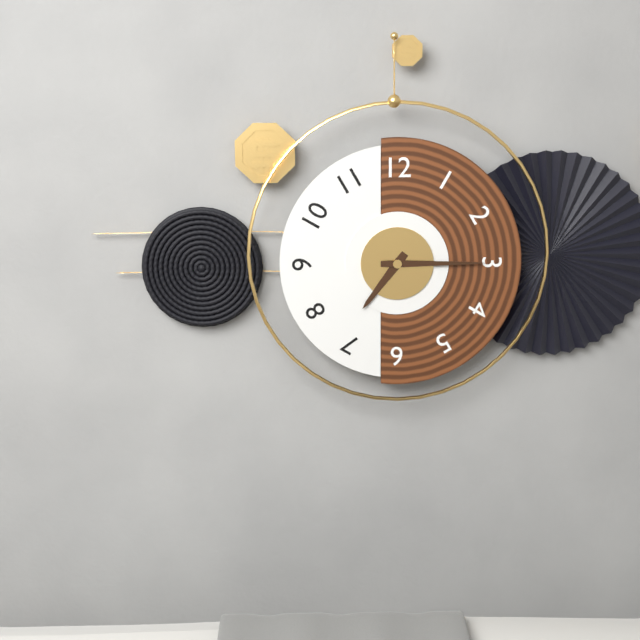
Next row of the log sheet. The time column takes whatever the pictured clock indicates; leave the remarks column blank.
7:15
